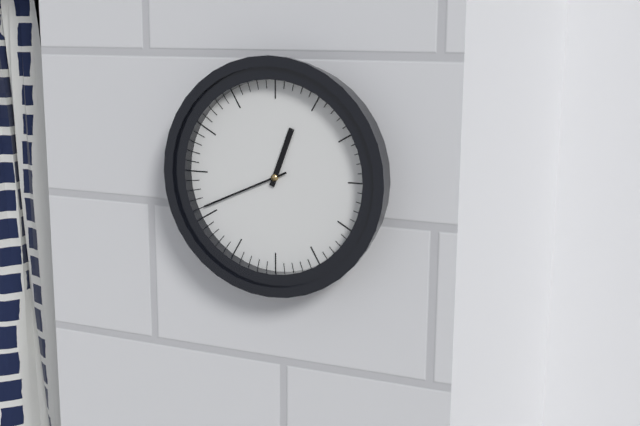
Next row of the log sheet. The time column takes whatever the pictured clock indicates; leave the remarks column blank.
12:41
